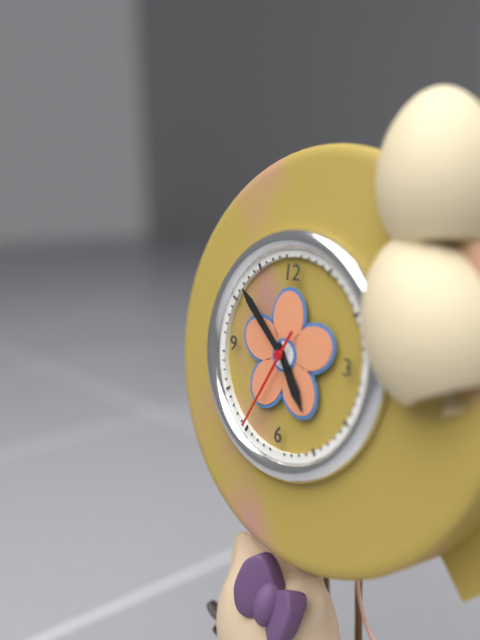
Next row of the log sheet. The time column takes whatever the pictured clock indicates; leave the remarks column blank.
4:52:35
